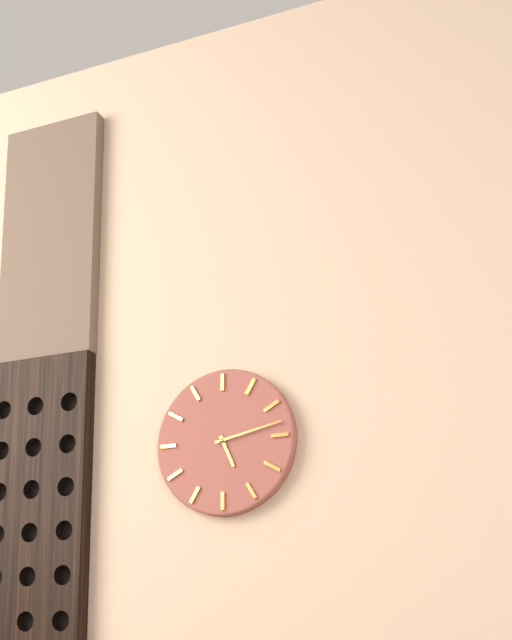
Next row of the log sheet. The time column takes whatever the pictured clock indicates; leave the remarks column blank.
5:13
